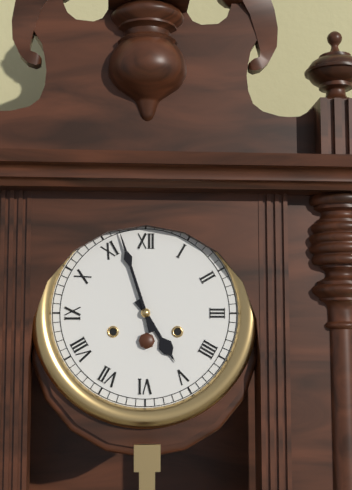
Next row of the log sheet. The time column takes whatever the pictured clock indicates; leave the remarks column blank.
4:57
